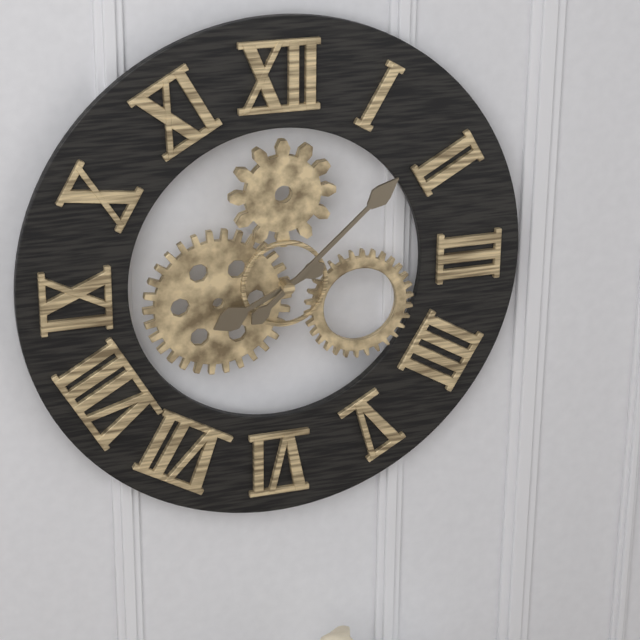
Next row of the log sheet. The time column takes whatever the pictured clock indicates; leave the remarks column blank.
8:08
